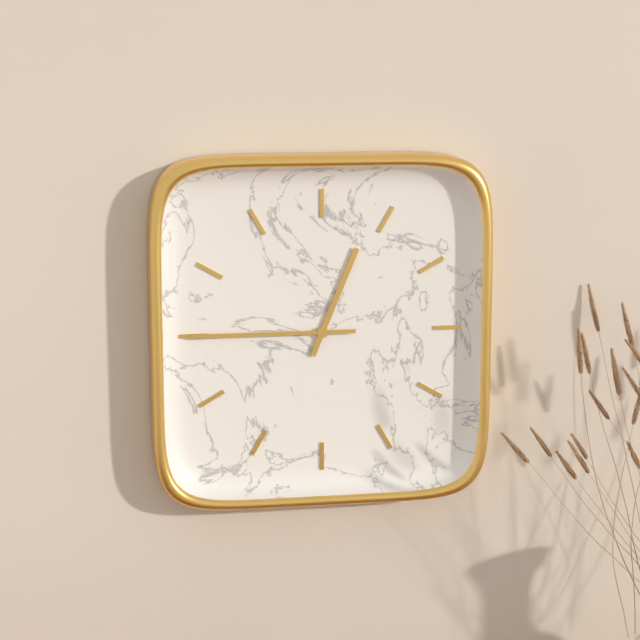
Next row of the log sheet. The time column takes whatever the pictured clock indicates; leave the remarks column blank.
12:45
